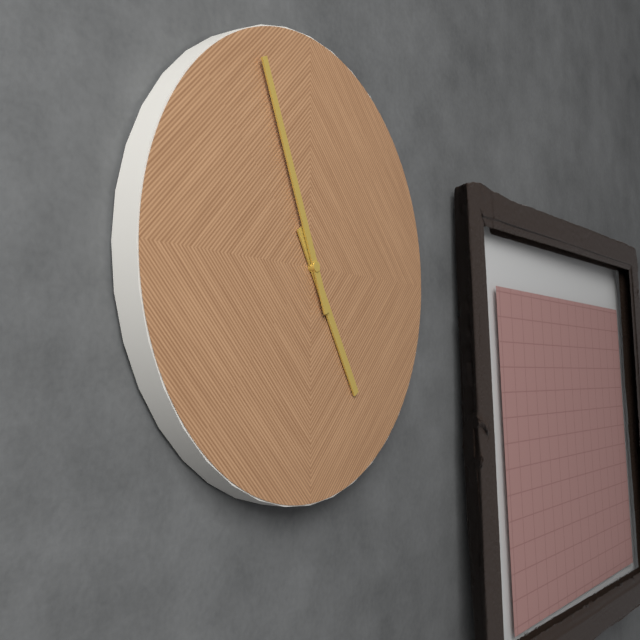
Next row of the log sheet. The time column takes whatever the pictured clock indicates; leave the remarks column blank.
4:56
